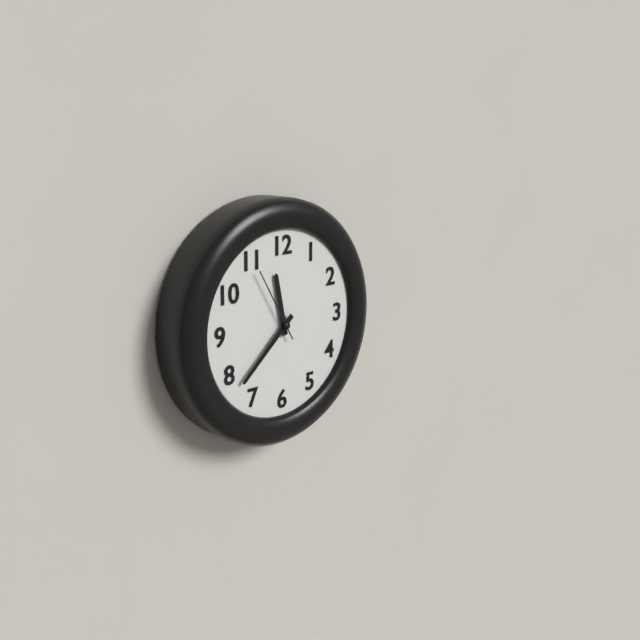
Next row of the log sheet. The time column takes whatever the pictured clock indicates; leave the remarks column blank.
11:38:55
